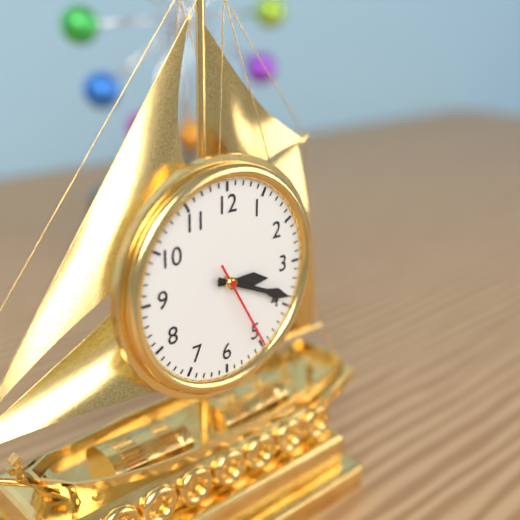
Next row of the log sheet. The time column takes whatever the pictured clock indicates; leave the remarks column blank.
3:19:25
